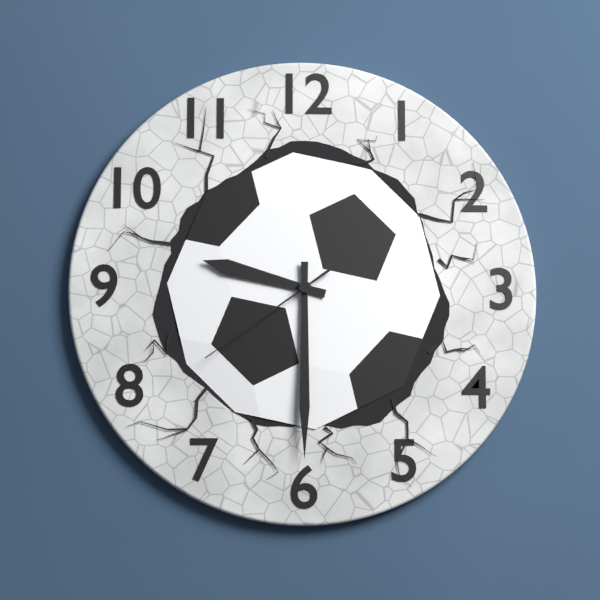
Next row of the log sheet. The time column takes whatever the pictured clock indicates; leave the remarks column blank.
9:30:39
